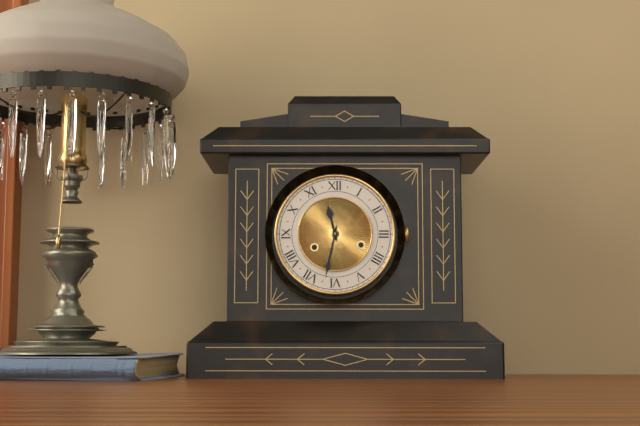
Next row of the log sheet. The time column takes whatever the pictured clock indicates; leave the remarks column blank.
11:32
